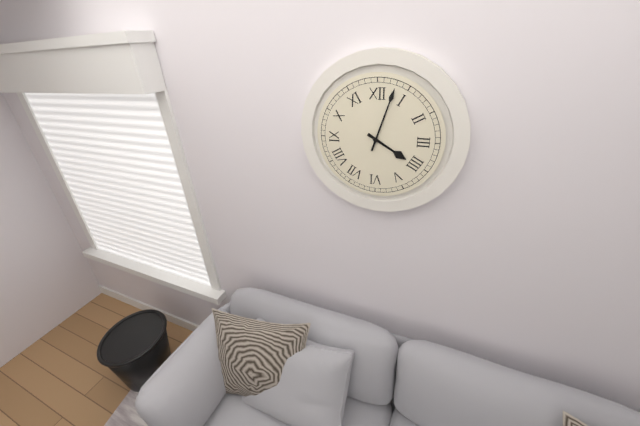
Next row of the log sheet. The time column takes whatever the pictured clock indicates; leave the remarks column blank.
4:03
